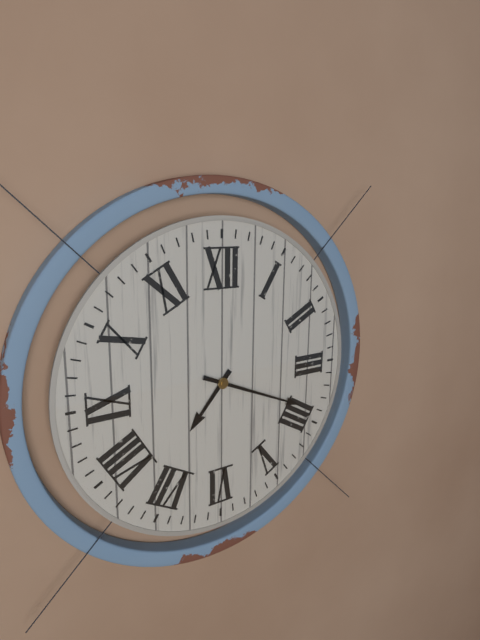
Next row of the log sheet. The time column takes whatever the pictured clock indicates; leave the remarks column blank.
7:19
